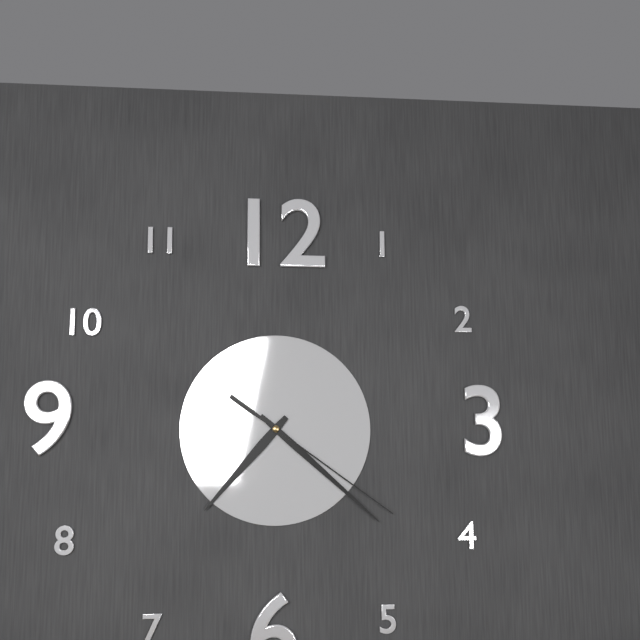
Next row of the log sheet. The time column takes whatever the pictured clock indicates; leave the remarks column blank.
7:22:21
